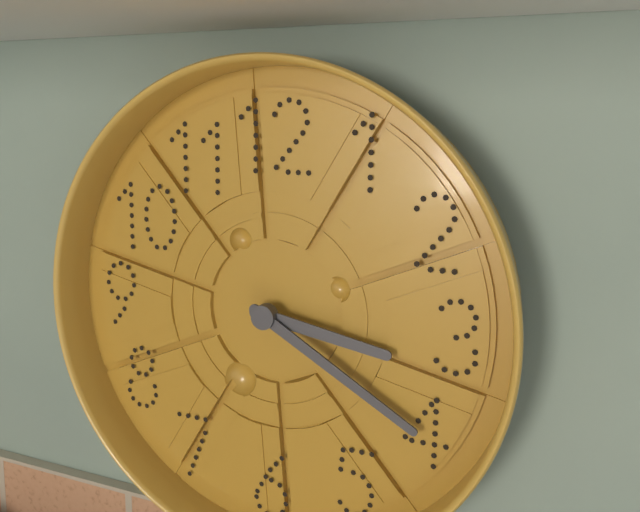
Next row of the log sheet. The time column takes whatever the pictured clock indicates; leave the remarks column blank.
3:20
